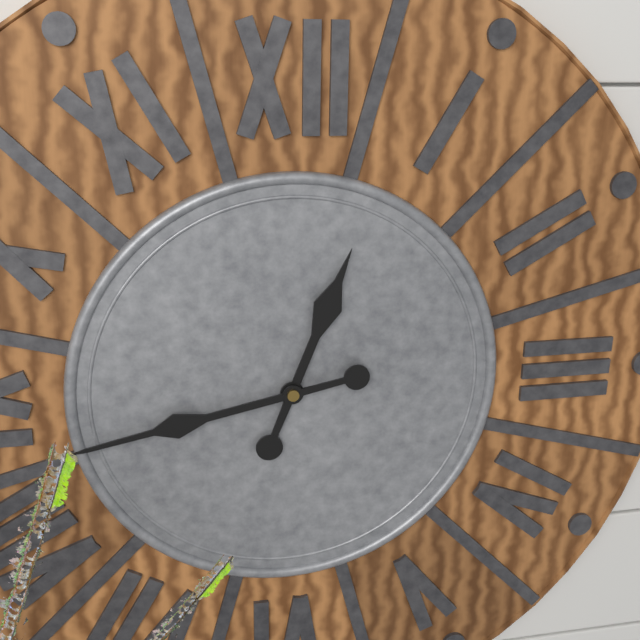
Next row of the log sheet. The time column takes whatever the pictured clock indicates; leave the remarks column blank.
12:43
